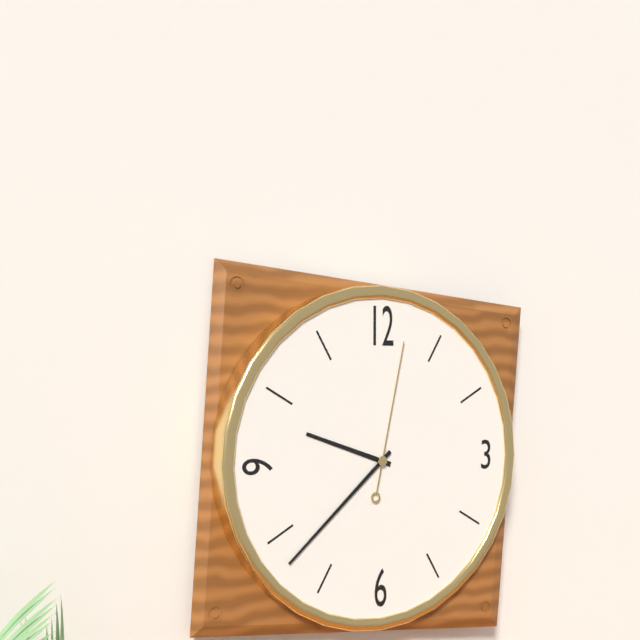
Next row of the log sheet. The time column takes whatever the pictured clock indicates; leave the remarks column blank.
9:38:02
